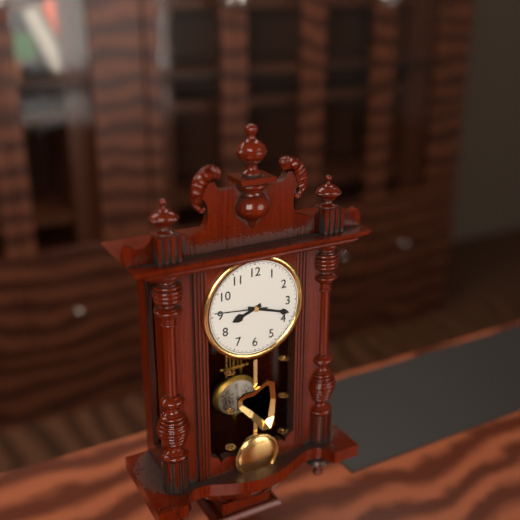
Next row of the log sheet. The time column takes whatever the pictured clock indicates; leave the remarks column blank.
8:18:46
